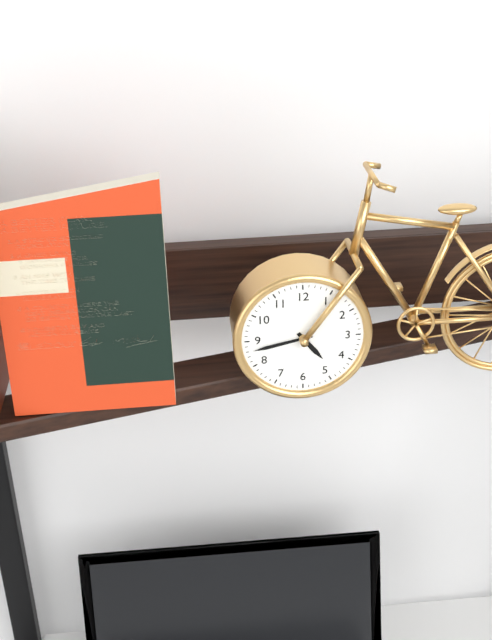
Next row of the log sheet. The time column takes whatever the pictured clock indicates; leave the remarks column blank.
4:43
